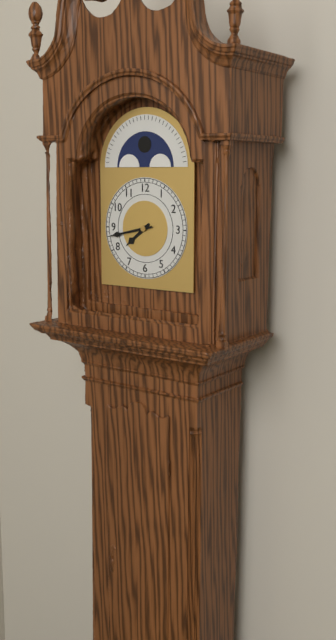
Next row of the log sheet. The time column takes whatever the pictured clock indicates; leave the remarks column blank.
7:43
